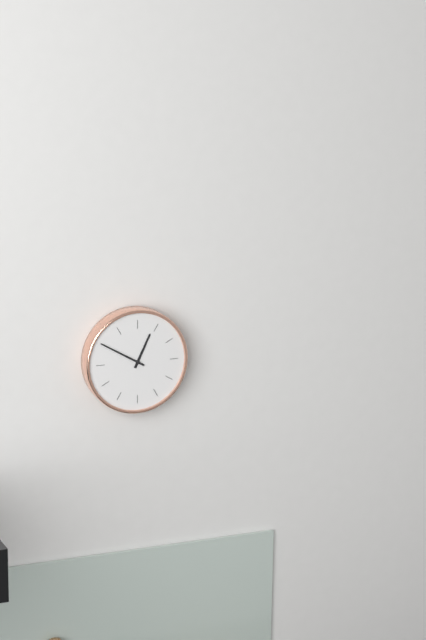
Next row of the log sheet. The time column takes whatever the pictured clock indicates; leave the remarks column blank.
12:50
